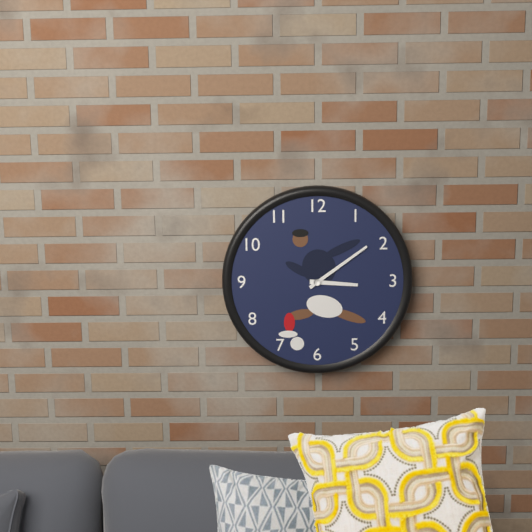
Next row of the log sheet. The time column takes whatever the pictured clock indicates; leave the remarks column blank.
3:09
